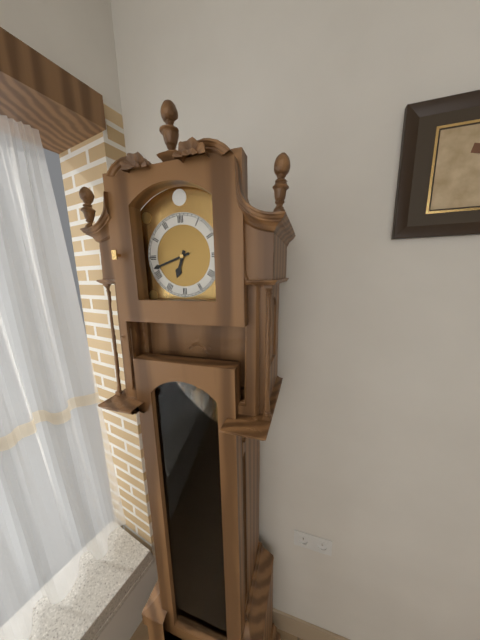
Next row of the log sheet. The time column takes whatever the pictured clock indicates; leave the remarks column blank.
6:42
